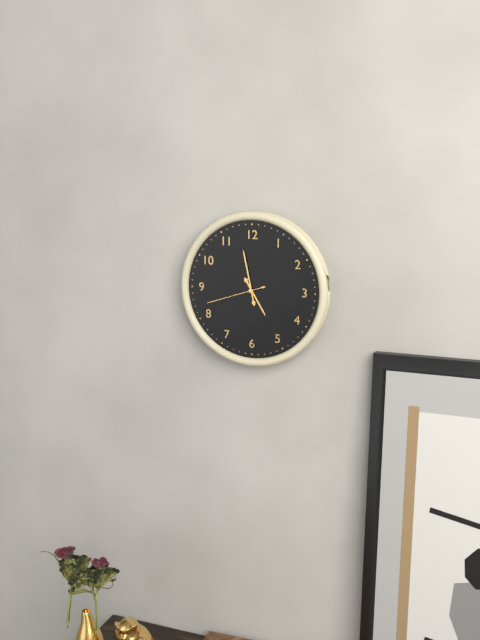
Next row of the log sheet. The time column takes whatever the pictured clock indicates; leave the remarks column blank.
4:58:42
